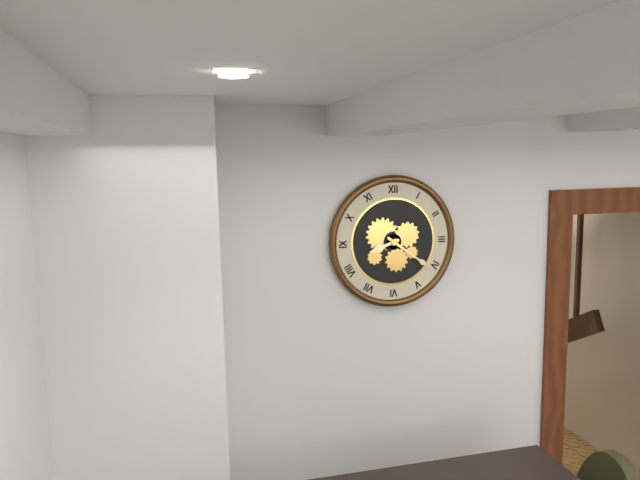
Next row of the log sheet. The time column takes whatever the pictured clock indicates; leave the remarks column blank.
8:21
